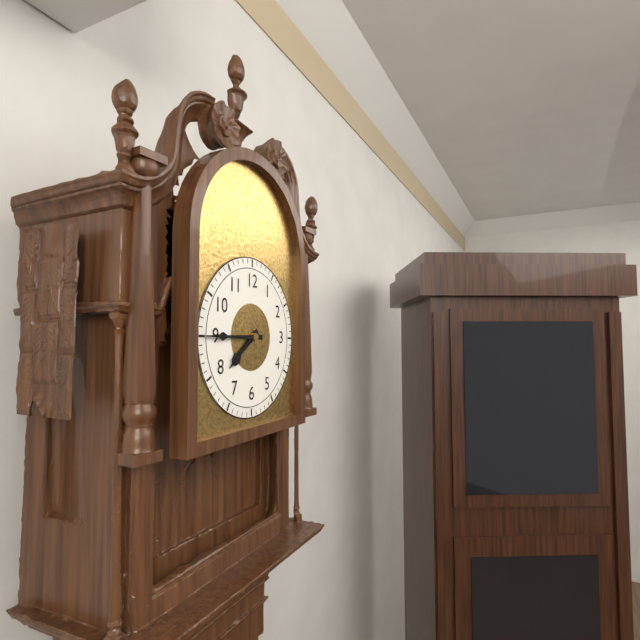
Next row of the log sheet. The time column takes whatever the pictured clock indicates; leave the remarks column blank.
7:45
